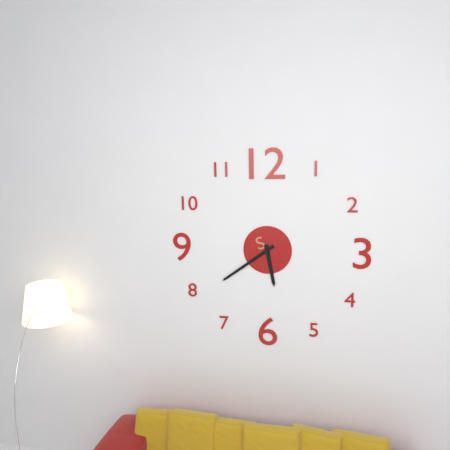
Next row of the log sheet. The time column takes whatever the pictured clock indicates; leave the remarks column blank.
5:39
